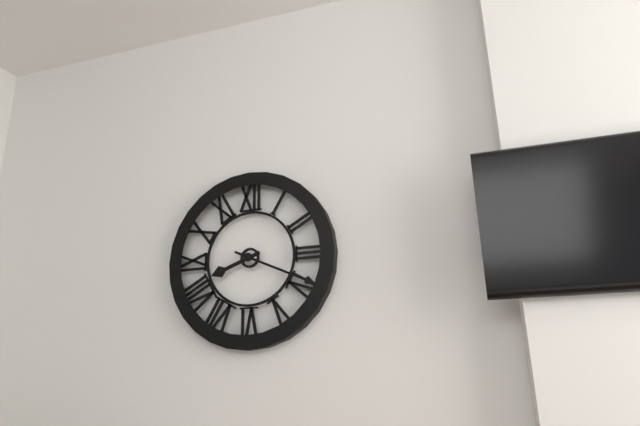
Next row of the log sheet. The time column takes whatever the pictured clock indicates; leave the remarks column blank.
8:19
